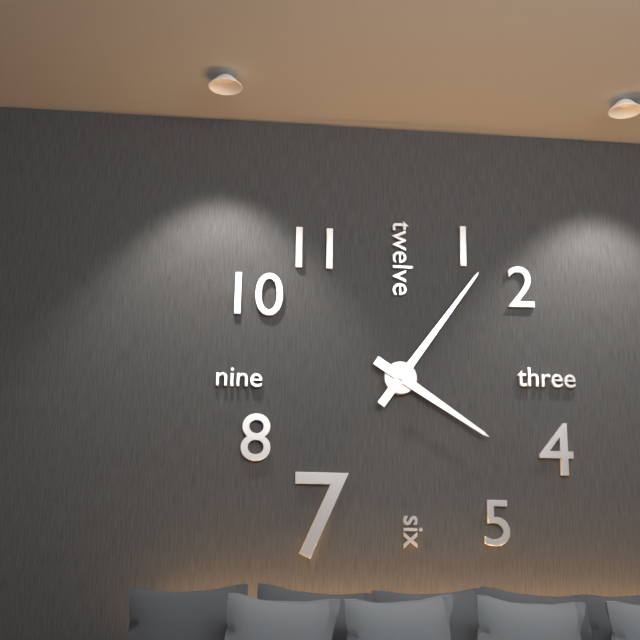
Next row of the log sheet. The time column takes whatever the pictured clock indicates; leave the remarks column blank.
4:06
